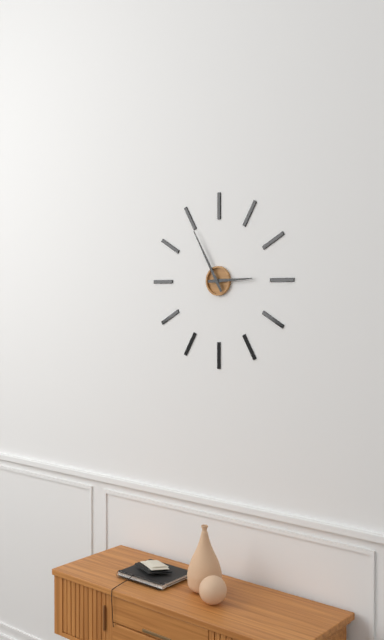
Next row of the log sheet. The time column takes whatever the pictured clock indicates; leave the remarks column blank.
2:55
